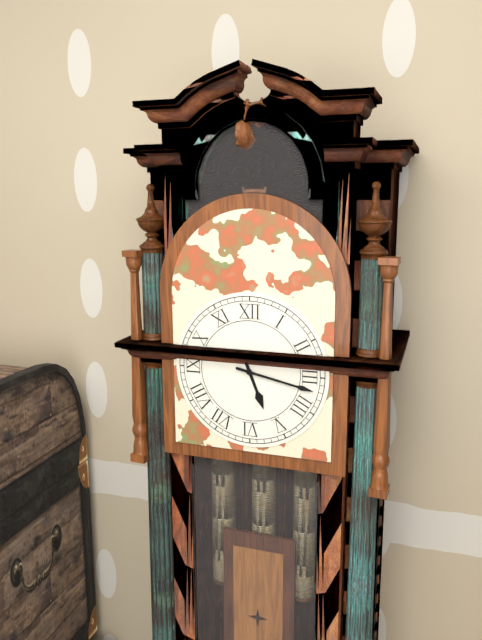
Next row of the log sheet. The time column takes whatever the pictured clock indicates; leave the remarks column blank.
5:17
